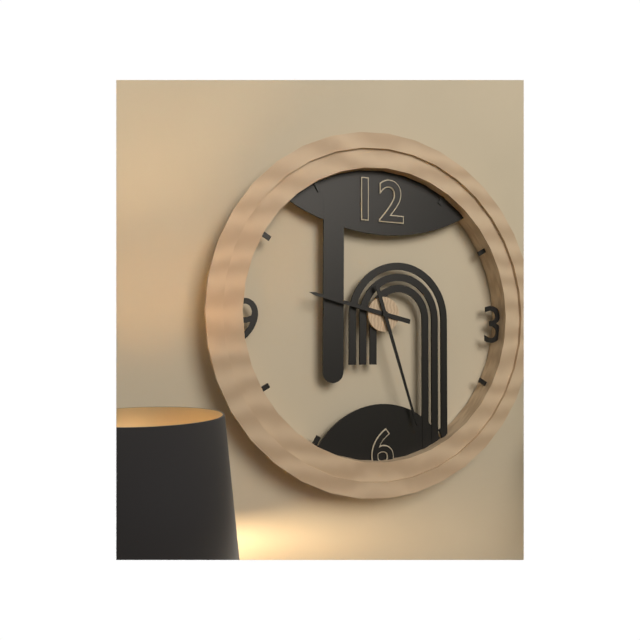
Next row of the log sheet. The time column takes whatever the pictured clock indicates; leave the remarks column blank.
9:27
